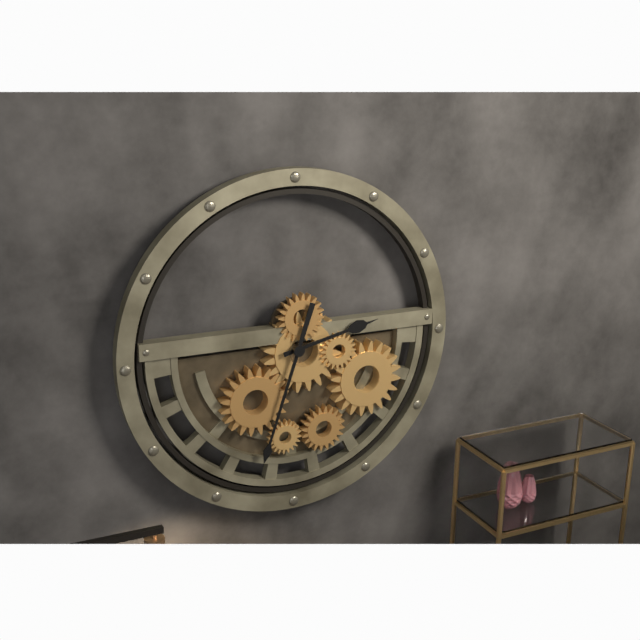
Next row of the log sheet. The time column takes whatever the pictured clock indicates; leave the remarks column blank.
2:33
